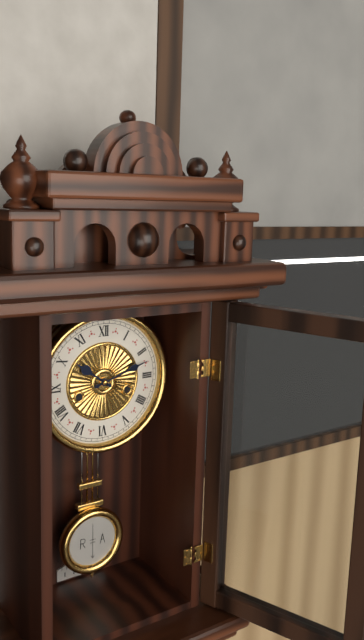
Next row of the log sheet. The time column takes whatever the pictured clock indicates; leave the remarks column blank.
10:12
